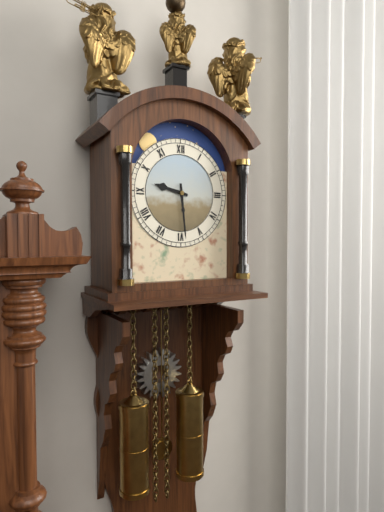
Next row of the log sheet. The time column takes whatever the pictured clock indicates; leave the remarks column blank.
9:29
